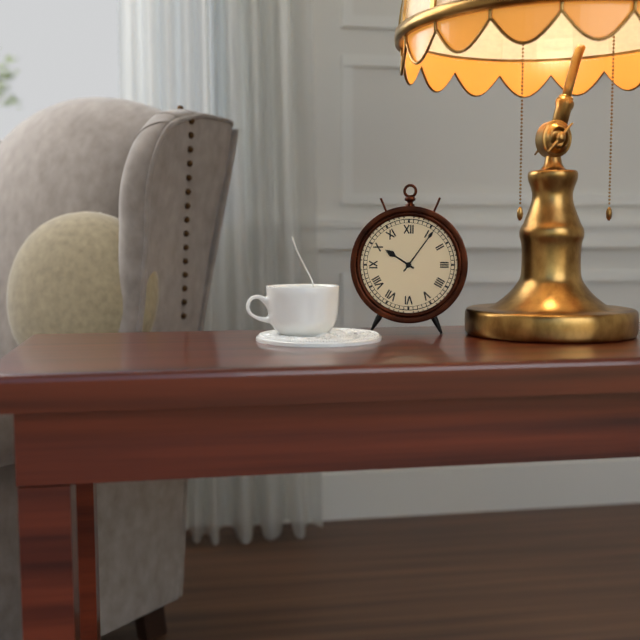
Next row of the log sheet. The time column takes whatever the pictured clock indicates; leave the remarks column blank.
10:06
